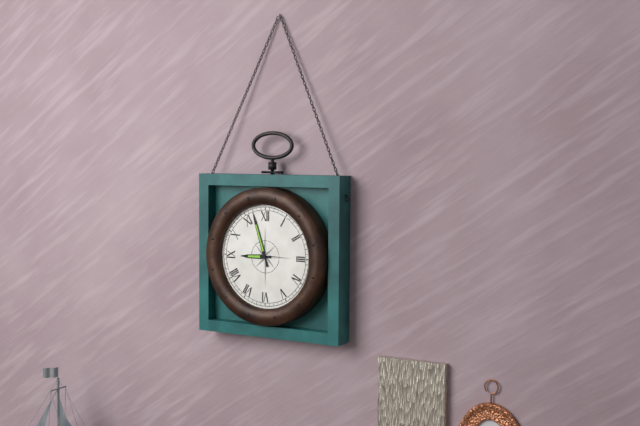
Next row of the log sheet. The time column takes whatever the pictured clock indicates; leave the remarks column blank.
8:57
